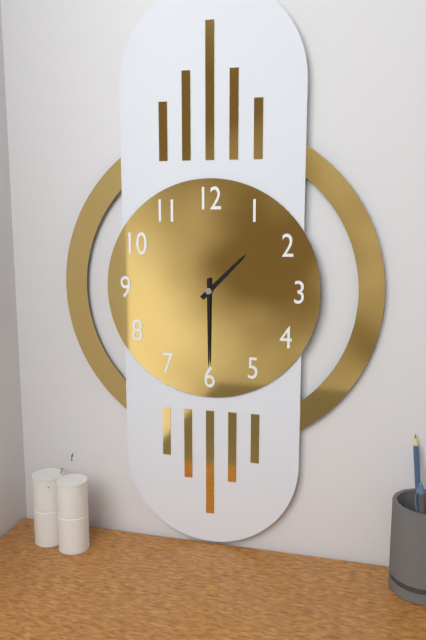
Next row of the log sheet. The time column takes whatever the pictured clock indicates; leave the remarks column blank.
1:30
